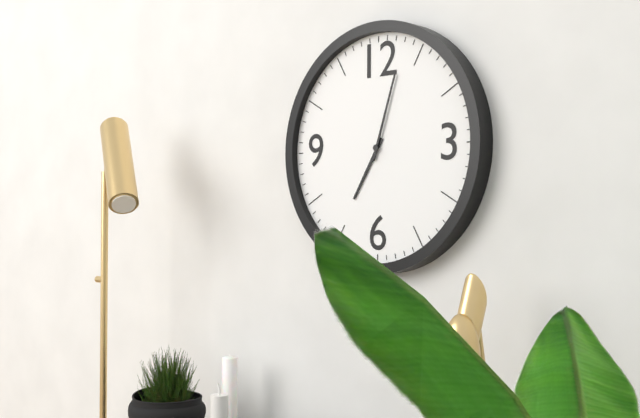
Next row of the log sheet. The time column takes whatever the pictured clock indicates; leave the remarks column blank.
7:03
